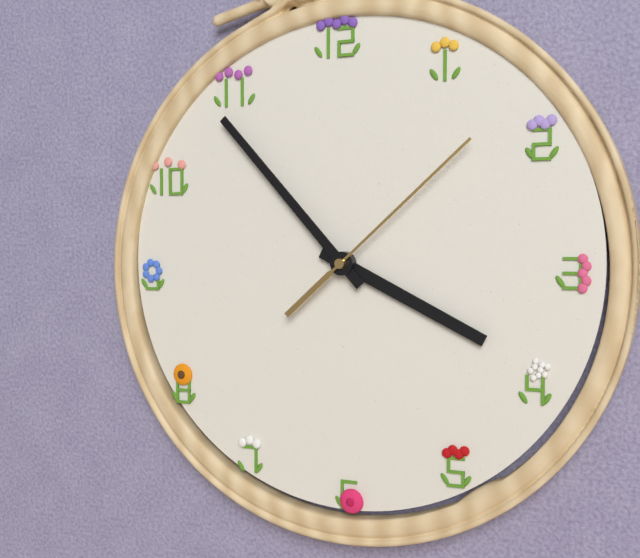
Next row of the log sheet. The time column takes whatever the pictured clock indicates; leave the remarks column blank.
3:53:08
